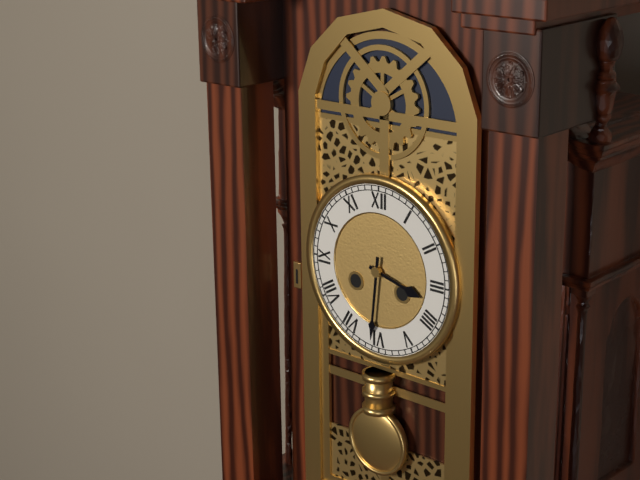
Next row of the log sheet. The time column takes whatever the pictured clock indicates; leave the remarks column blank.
3:31
